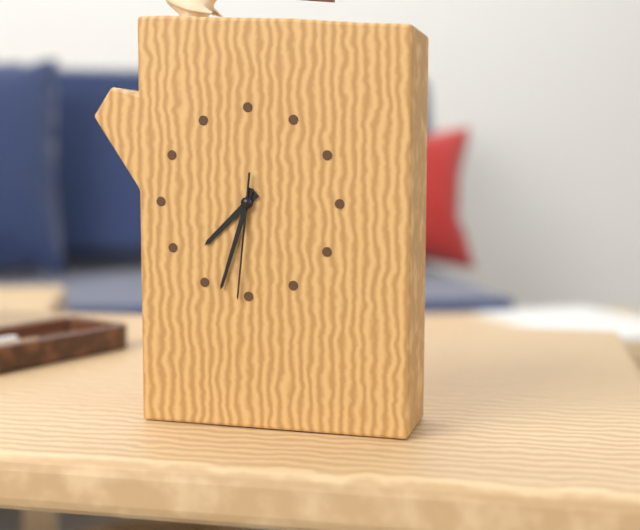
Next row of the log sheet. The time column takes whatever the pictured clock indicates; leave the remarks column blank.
7:33:31
